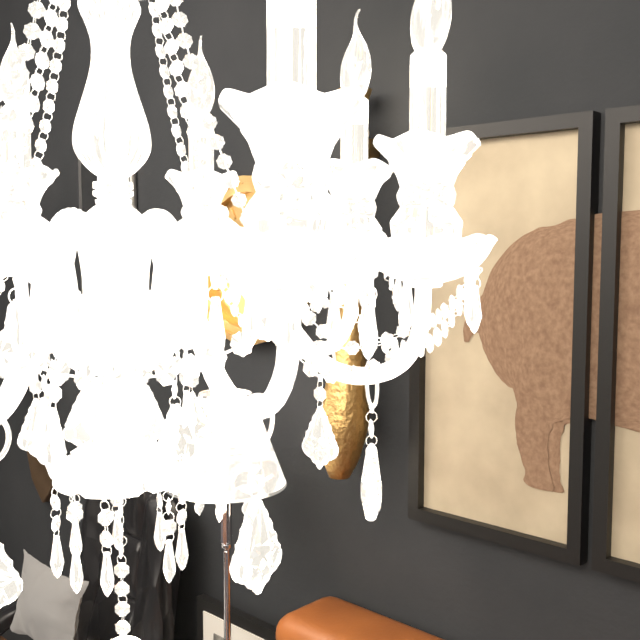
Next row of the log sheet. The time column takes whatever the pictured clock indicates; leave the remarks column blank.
11:24
